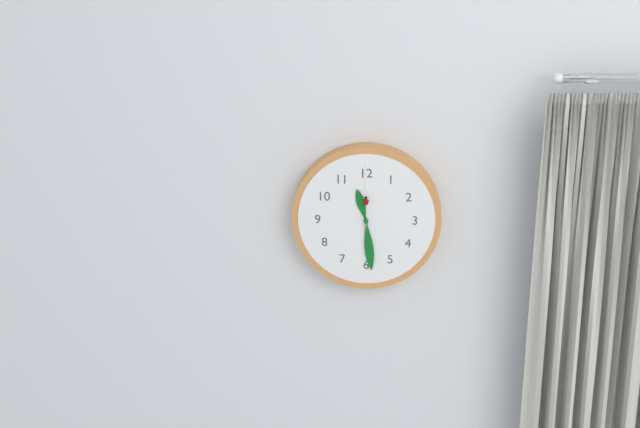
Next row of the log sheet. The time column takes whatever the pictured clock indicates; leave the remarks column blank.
11:29:00
